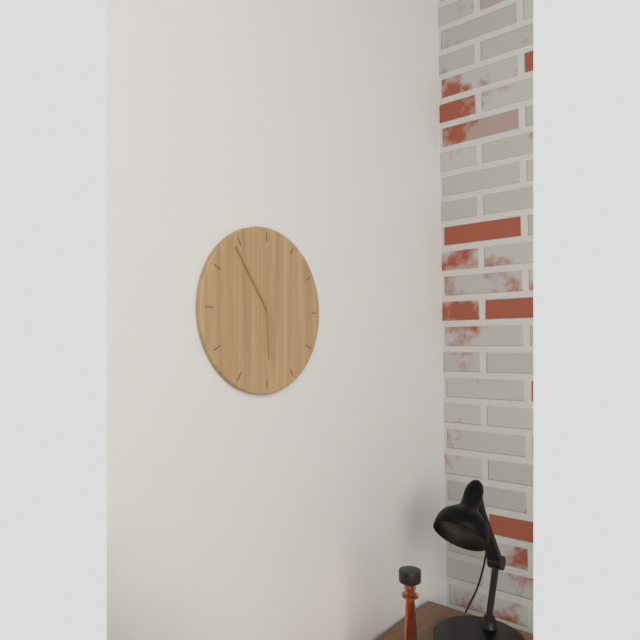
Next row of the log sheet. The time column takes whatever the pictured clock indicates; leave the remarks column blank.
5:54
